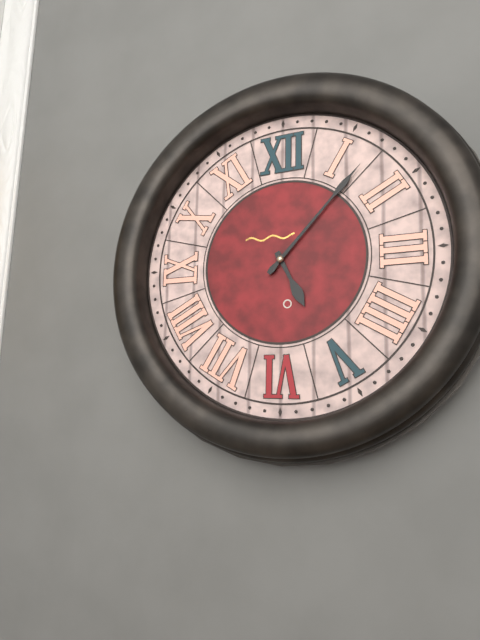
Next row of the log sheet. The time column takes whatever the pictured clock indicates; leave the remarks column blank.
5:07
